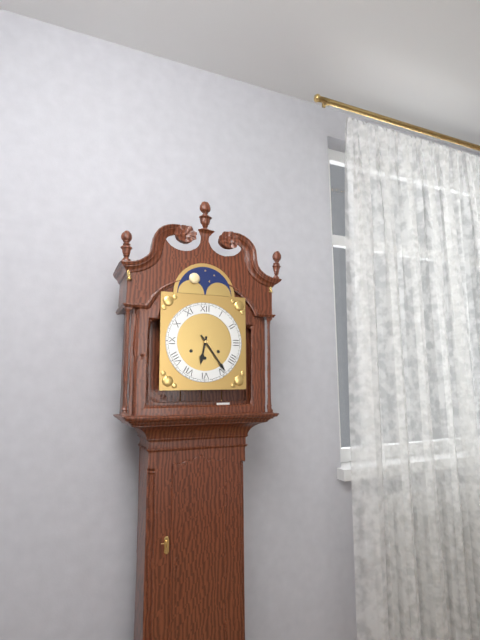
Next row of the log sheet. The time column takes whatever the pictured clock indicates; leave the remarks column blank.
6:24
